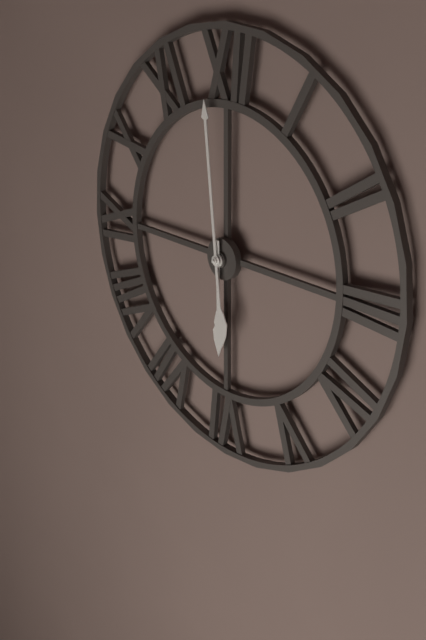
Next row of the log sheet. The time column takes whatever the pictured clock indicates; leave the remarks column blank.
5:59
